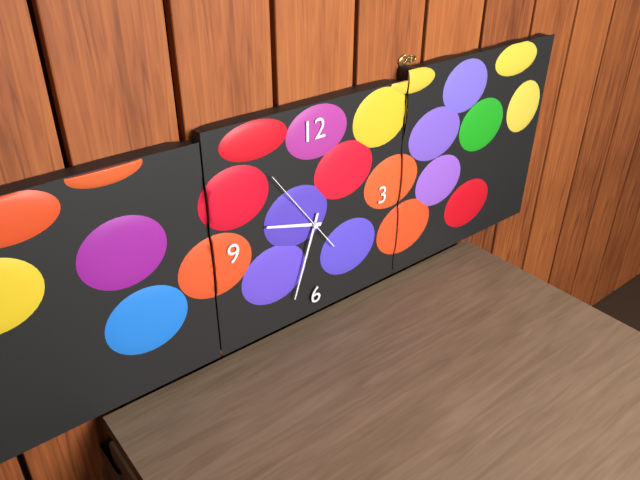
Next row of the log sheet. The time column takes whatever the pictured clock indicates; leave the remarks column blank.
9:33:54
